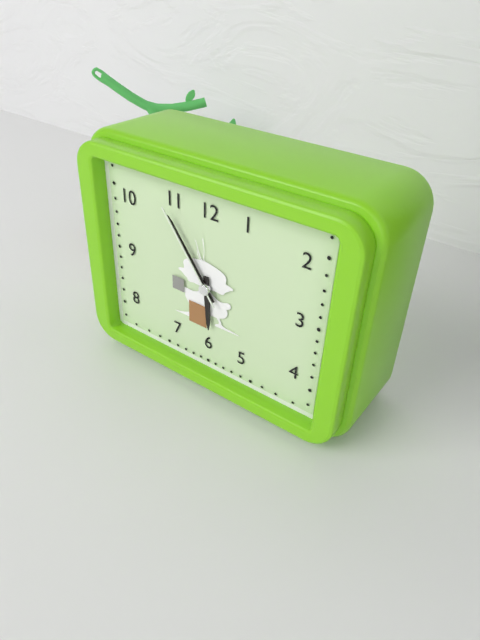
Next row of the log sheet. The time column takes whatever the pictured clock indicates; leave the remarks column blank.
5:54:54
